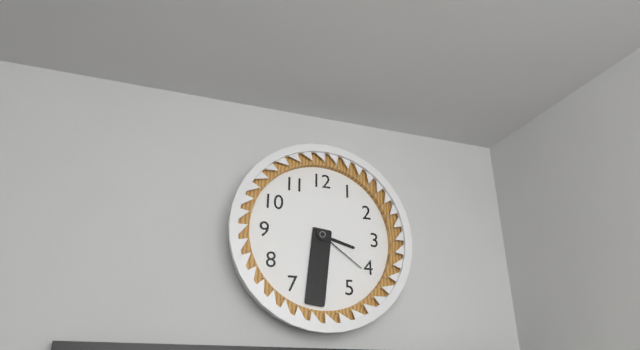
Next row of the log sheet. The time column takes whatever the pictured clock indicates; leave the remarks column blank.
3:31:21
